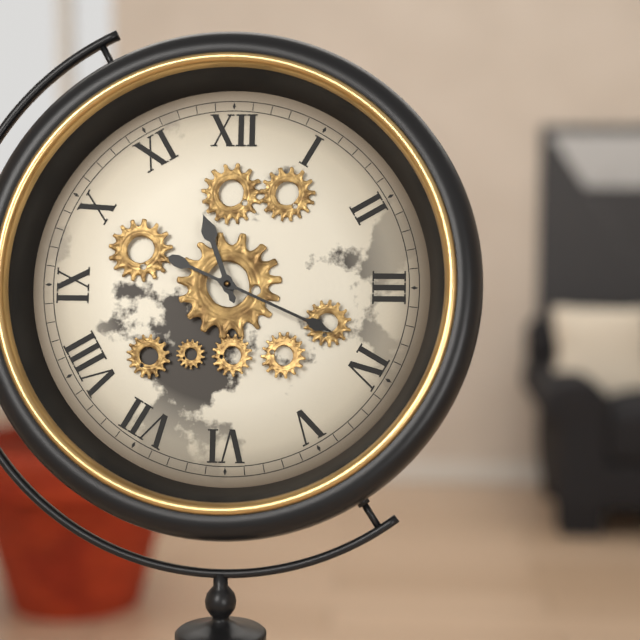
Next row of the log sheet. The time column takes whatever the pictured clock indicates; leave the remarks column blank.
11:19
